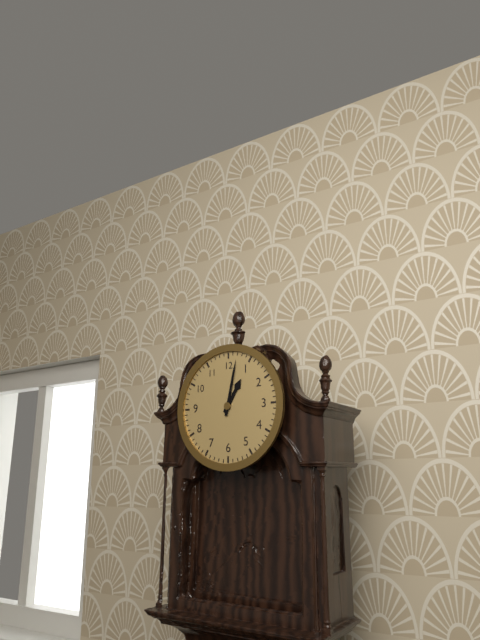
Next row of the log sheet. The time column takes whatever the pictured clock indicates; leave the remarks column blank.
1:02
